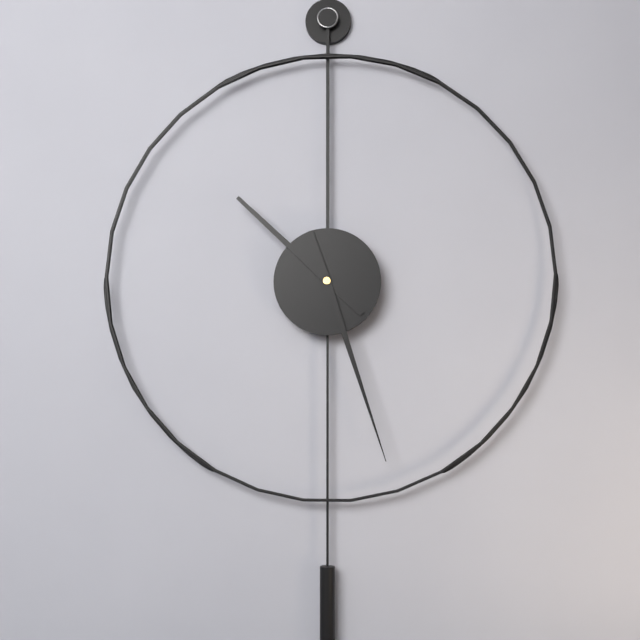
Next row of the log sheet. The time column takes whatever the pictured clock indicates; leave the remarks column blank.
10:27
